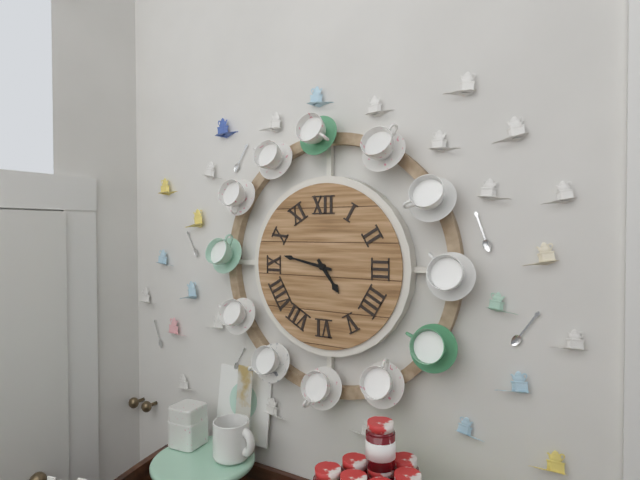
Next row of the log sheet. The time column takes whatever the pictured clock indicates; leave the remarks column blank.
4:47
